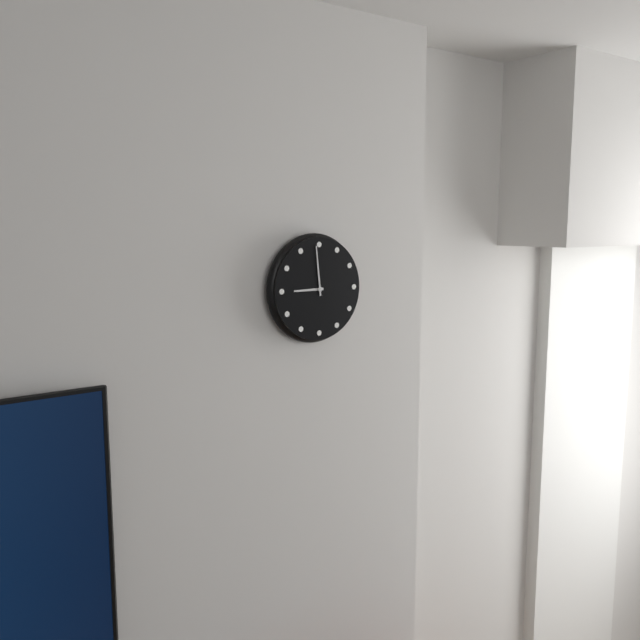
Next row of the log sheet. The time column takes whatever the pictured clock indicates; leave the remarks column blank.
8:59
